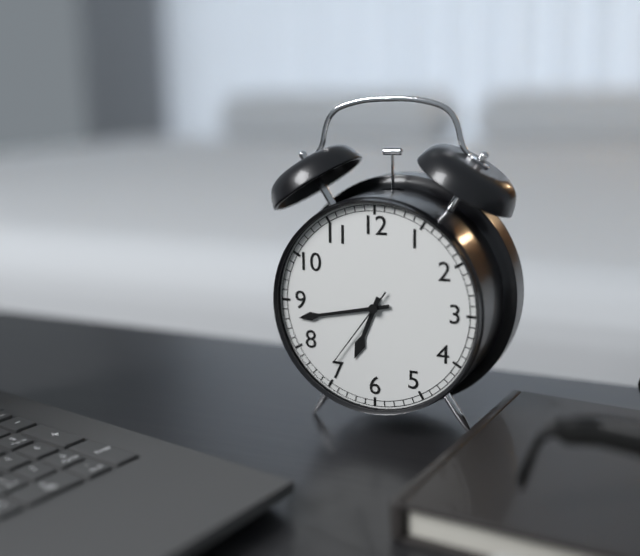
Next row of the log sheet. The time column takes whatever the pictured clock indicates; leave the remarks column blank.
6:43:36
